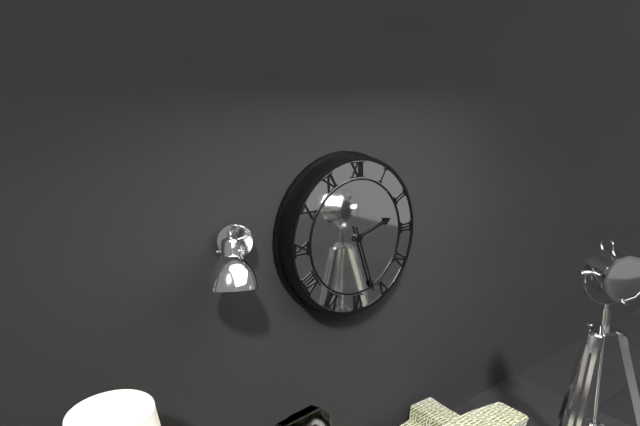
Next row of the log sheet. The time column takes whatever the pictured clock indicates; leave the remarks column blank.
2:27
